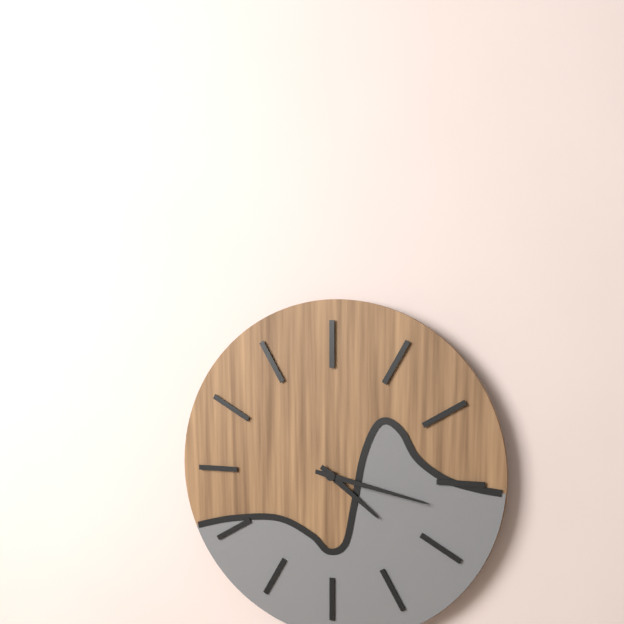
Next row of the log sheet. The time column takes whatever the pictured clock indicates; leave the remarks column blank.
4:17
